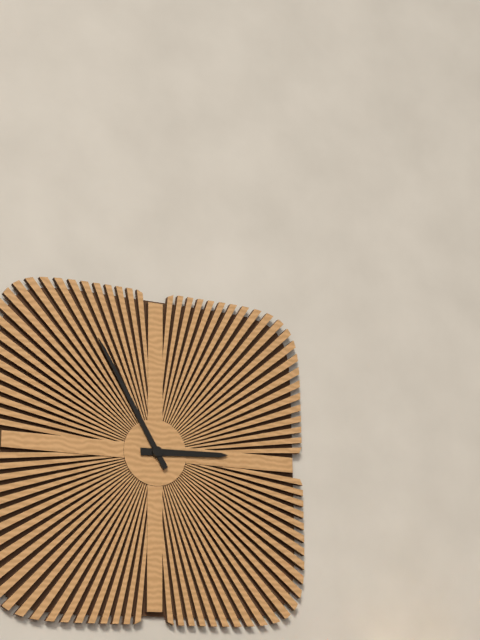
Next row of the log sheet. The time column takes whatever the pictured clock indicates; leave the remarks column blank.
2:55
